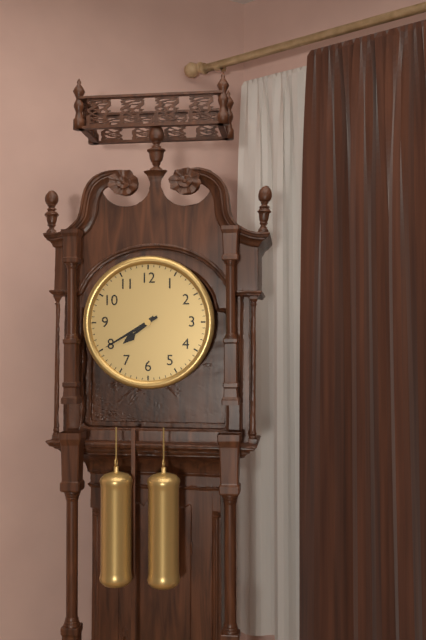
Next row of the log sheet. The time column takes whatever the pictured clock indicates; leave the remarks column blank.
7:40
